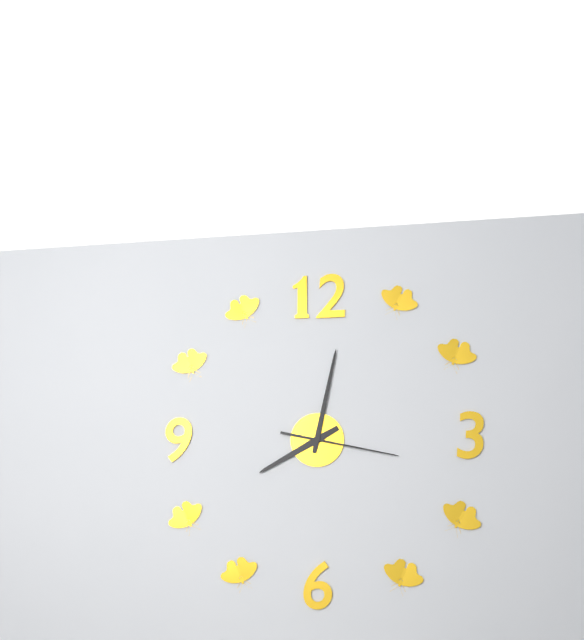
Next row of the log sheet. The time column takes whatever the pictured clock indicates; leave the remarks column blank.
8:02:17
